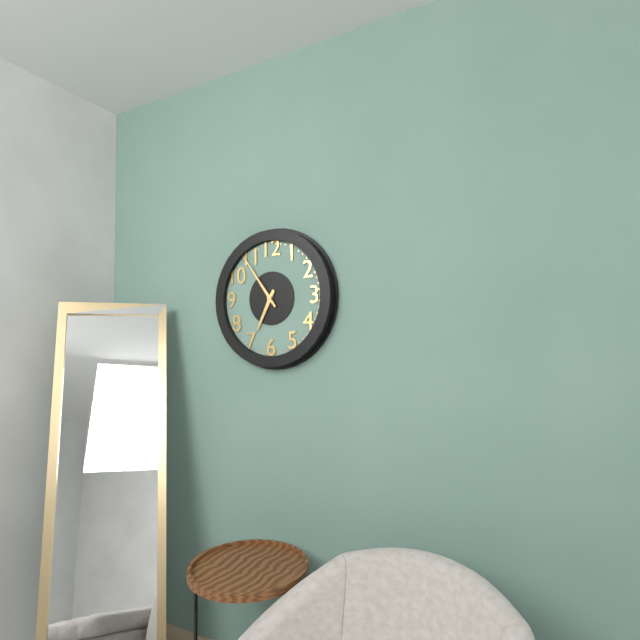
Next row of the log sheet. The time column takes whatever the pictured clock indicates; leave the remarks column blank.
6:54
